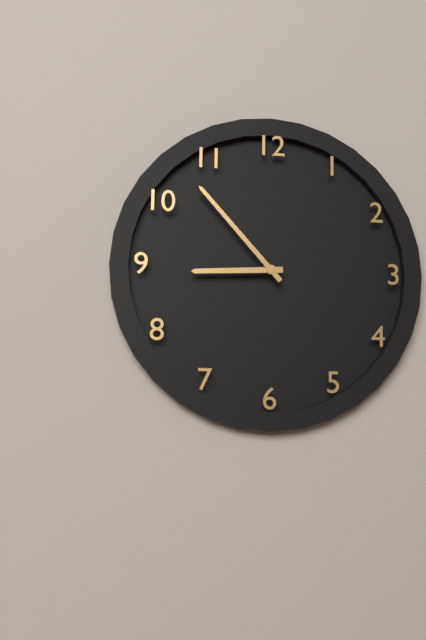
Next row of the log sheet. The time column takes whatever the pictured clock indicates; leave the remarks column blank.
8:53
